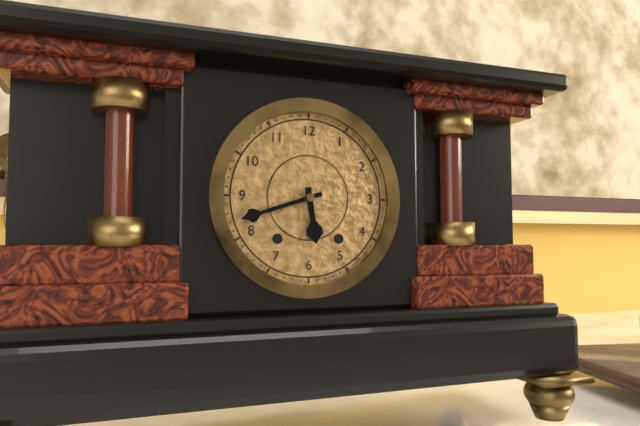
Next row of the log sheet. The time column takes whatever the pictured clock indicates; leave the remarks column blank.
5:42
